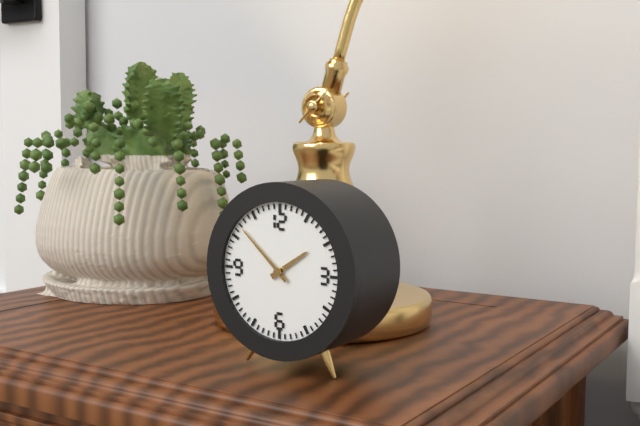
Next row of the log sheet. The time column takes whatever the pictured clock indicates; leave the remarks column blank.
1:52
